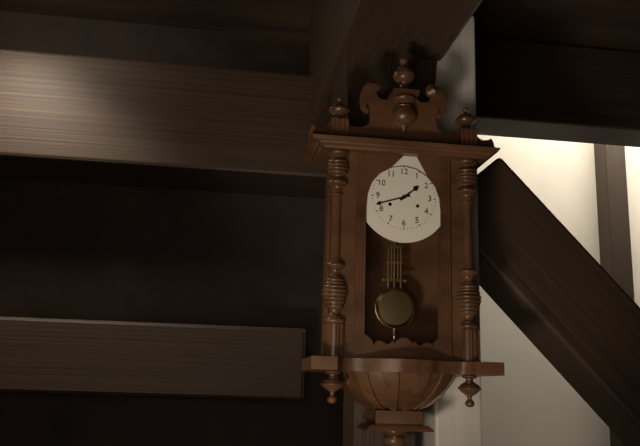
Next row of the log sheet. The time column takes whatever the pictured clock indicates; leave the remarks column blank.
1:42
